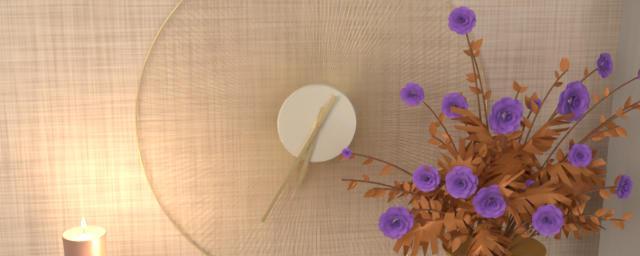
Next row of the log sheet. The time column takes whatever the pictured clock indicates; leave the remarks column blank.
6:35
